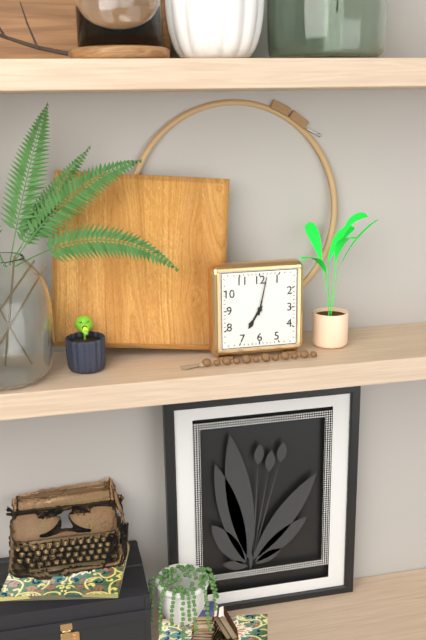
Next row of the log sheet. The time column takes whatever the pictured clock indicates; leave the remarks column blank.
7:02
